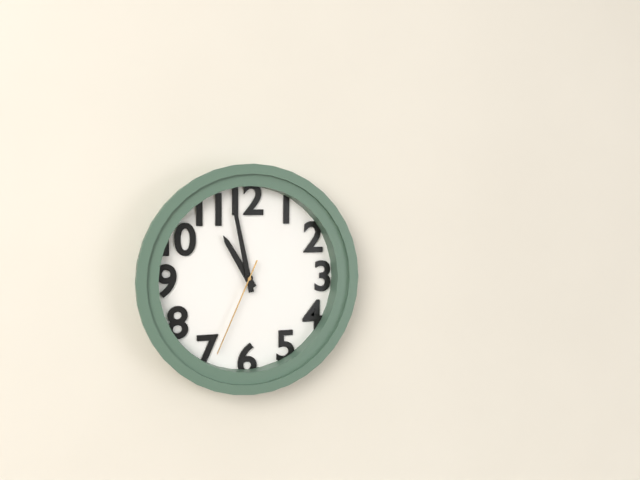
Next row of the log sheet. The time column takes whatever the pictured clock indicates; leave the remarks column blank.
10:58:34
